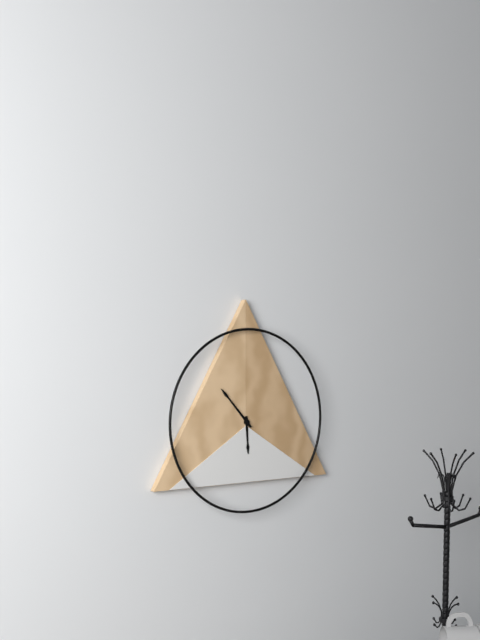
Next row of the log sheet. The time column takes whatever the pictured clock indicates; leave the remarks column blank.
5:53
